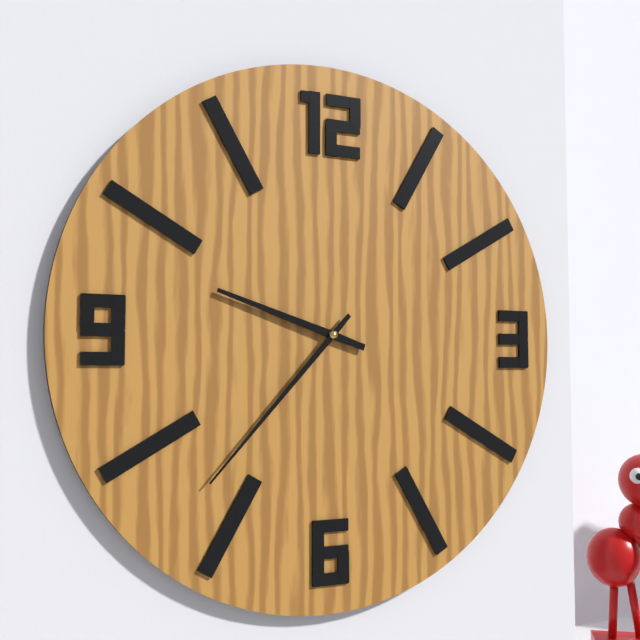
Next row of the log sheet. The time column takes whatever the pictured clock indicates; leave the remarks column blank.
9:37
